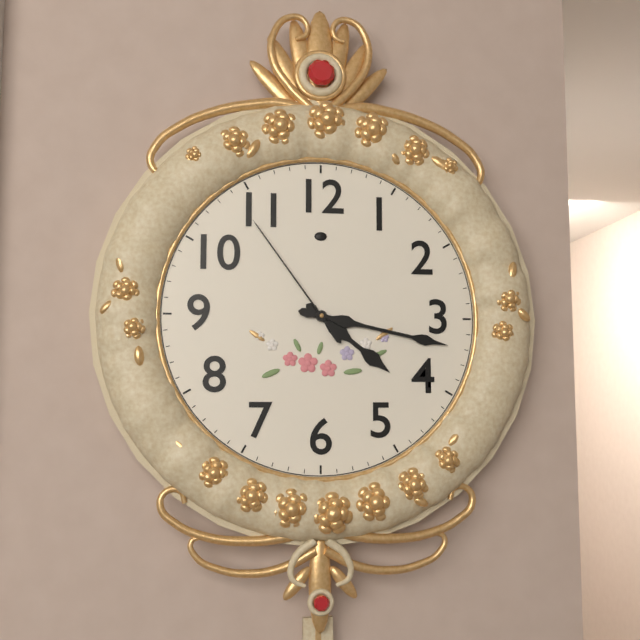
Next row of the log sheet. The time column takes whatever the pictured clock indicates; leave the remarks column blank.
4:17:54
